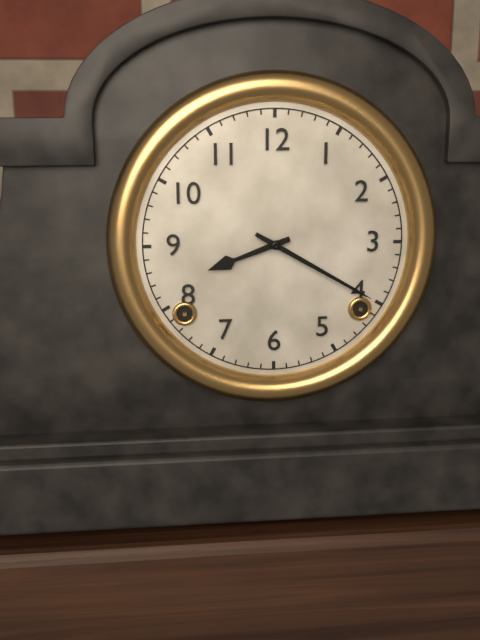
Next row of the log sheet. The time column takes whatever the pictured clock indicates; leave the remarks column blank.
8:20
